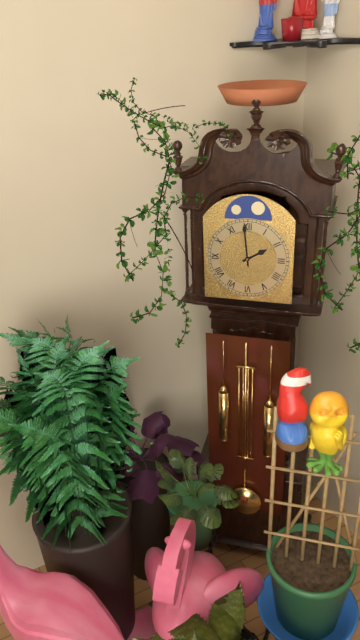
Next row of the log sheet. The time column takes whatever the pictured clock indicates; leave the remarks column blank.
1:59
